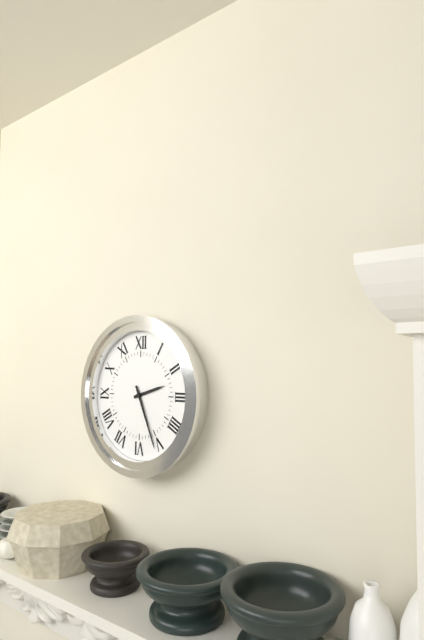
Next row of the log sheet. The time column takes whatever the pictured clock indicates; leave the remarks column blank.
2:26
